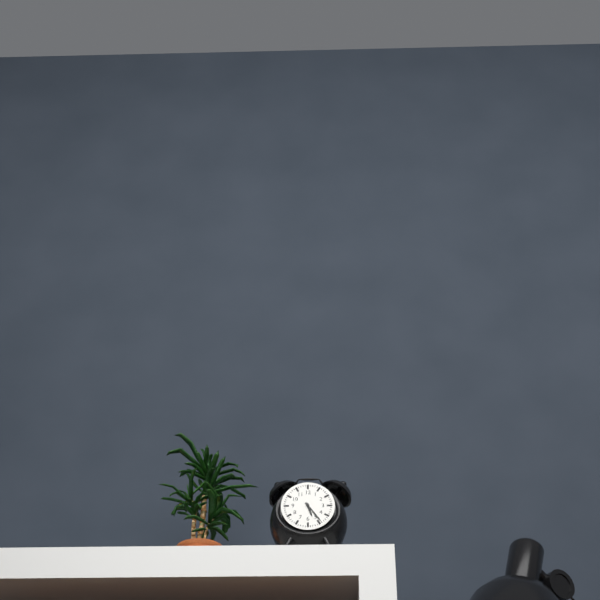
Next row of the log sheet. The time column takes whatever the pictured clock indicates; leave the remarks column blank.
5:24
